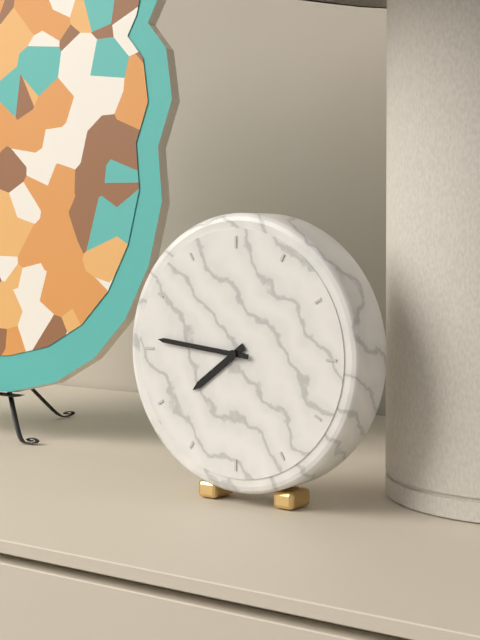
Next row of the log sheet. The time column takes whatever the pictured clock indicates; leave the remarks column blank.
7:46
